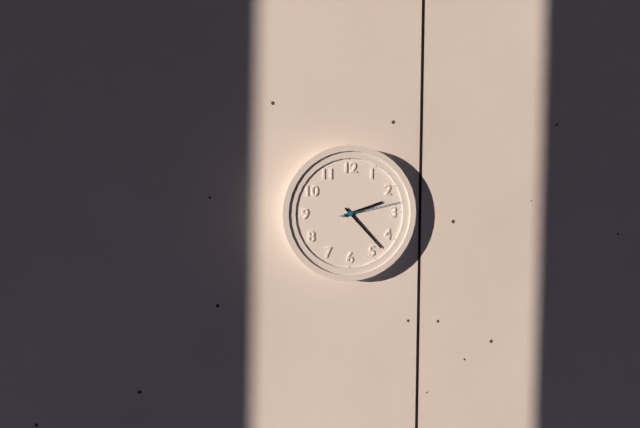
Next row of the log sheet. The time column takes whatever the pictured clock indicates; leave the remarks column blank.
2:23:13
